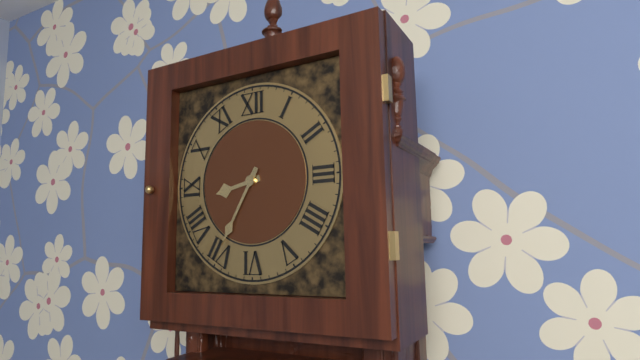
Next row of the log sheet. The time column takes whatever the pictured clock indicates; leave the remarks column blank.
8:35
